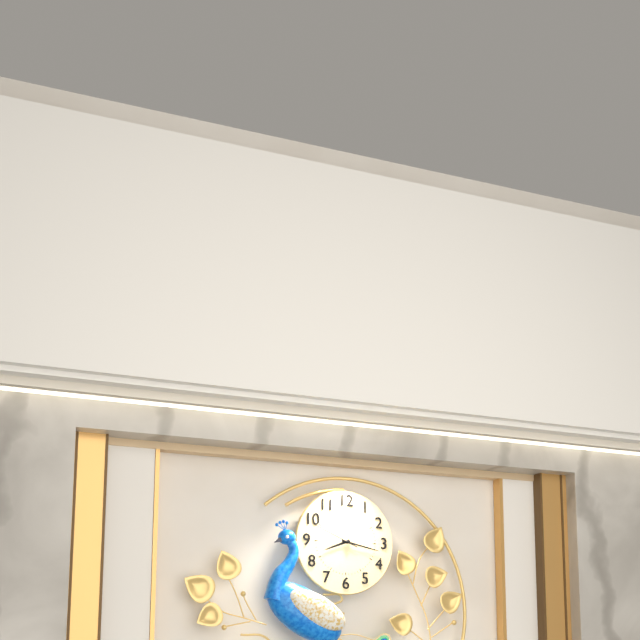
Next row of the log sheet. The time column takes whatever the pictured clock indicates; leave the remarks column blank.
8:17
